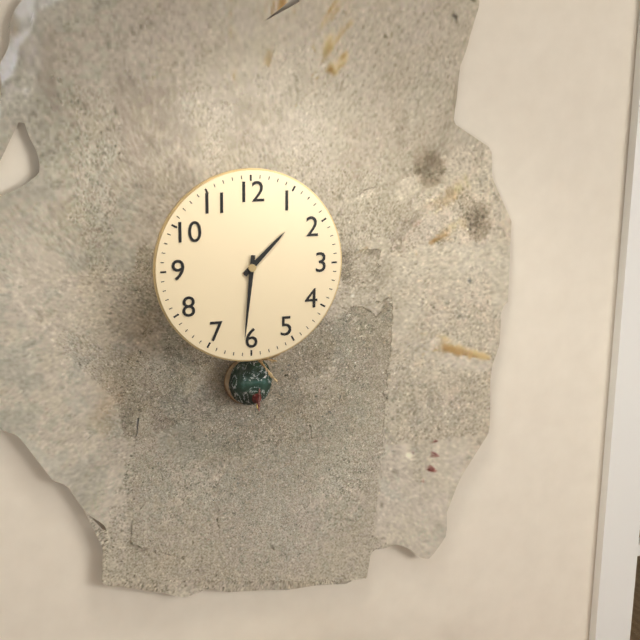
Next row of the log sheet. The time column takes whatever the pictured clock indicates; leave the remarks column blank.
1:31
